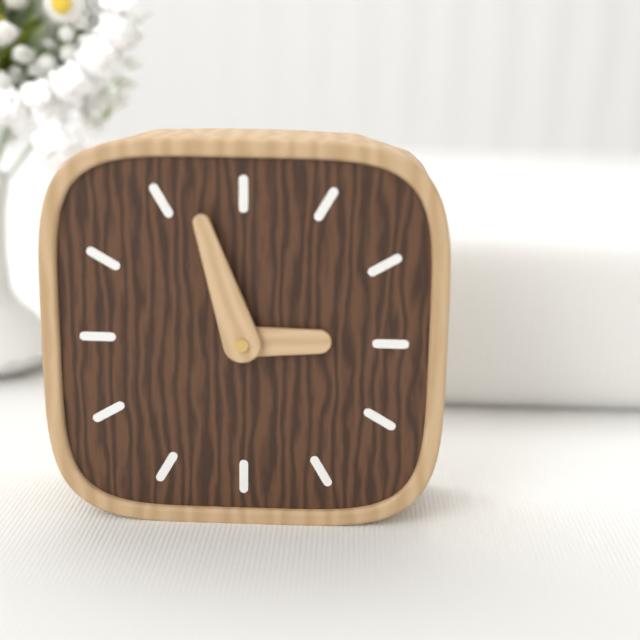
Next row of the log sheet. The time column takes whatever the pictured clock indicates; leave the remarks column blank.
2:57
